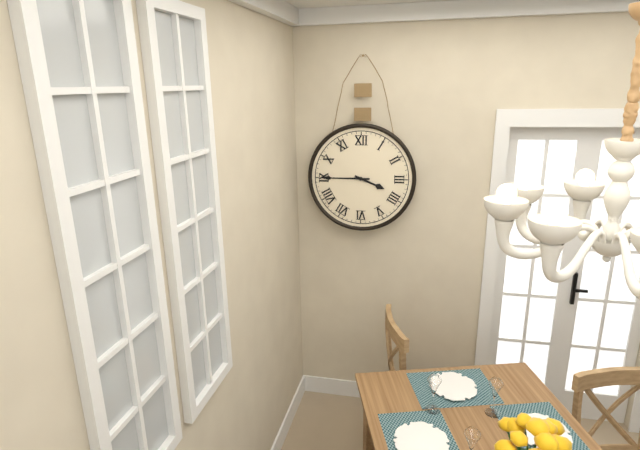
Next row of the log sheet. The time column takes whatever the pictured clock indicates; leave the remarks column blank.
3:45
